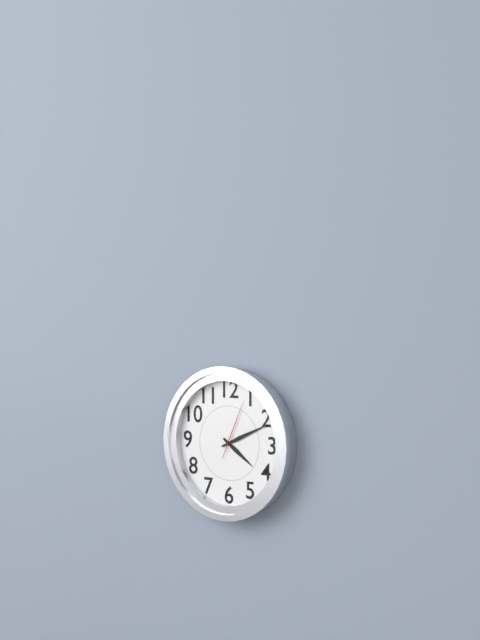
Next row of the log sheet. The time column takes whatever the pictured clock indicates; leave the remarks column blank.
4:11:04
